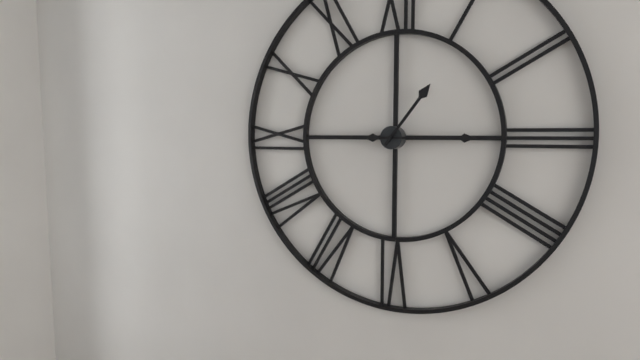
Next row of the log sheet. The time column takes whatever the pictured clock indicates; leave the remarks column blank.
1:15
